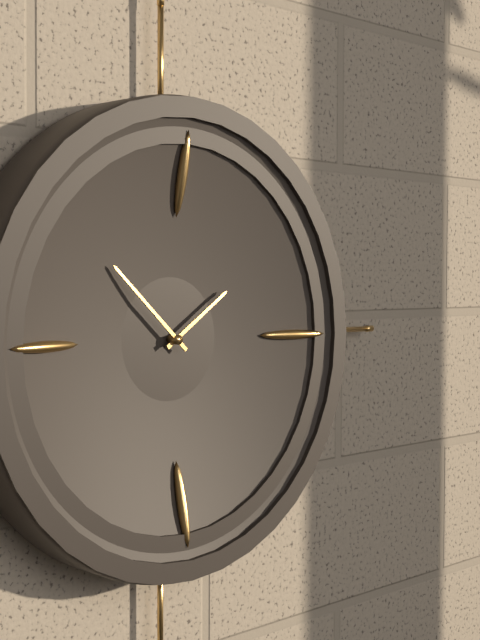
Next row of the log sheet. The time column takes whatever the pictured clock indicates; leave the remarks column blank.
1:52
